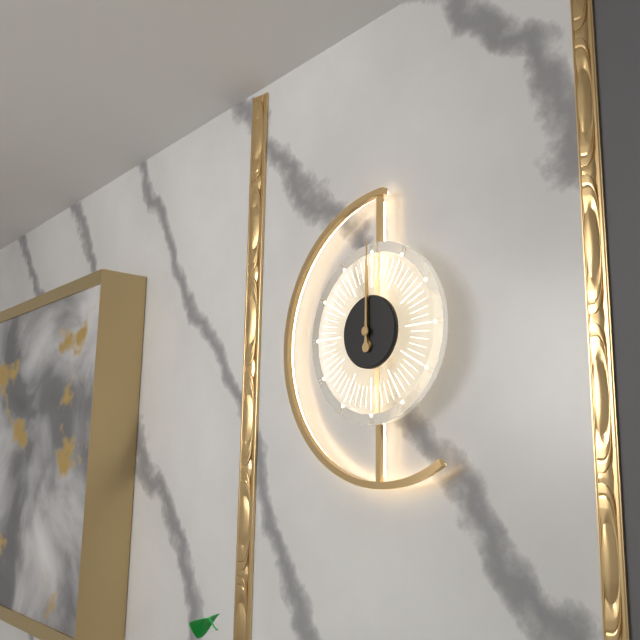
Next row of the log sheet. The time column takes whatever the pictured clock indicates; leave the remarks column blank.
12:00
